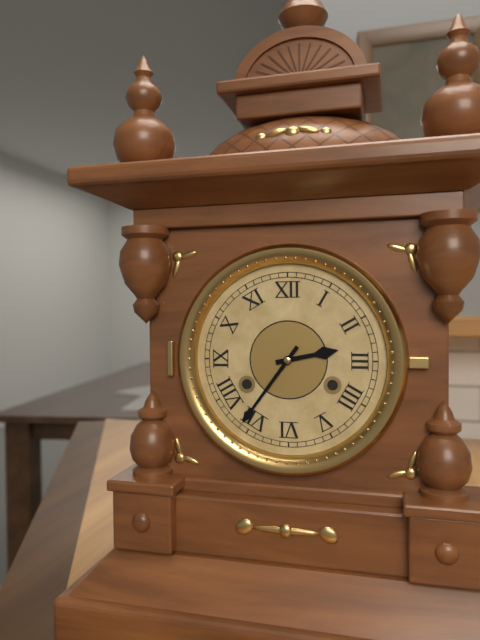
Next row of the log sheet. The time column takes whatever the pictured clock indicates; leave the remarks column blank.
2:36
